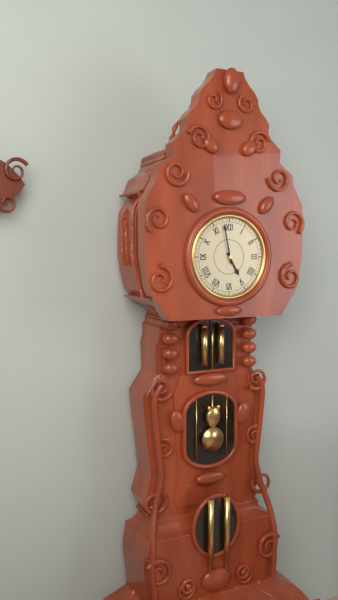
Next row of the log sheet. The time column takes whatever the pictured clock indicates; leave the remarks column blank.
4:58
